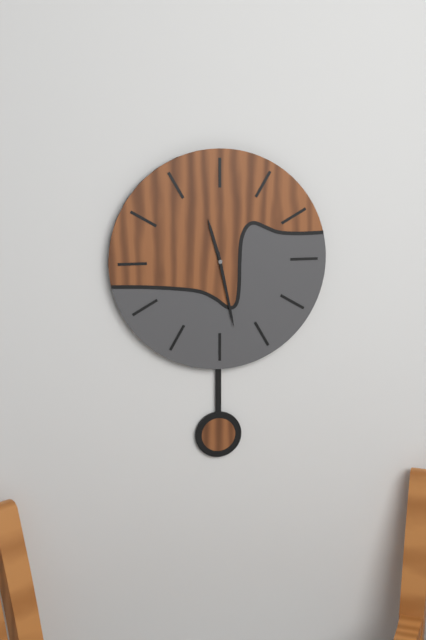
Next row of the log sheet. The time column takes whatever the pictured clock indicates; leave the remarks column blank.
11:28
